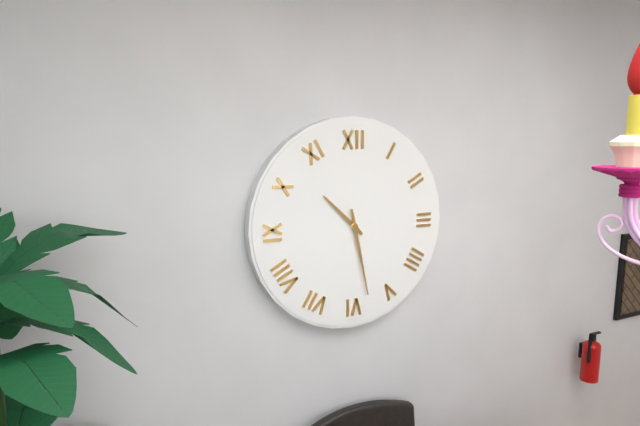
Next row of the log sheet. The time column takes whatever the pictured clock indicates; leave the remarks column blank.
10:28
